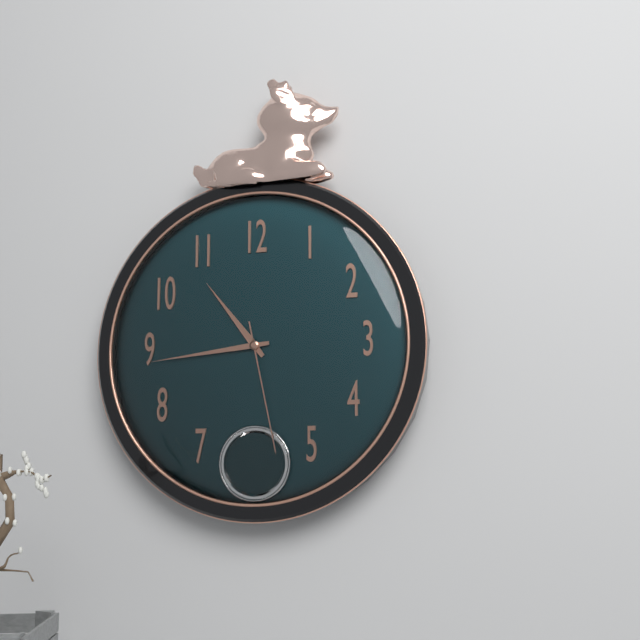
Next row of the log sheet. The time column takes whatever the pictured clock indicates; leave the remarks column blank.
10:44:28
